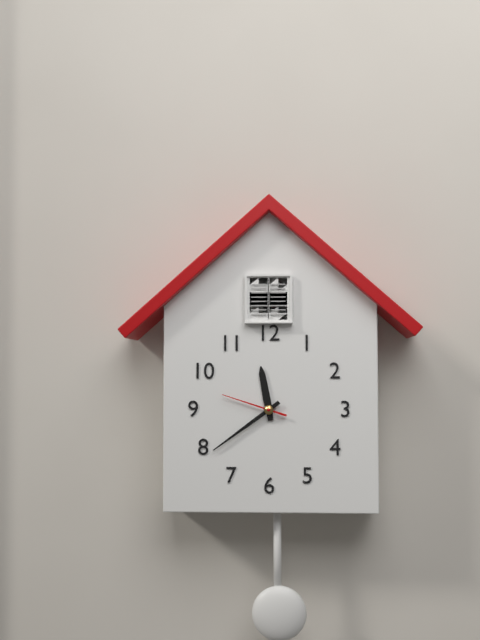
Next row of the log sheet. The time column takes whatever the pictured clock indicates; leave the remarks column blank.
11:39:48
